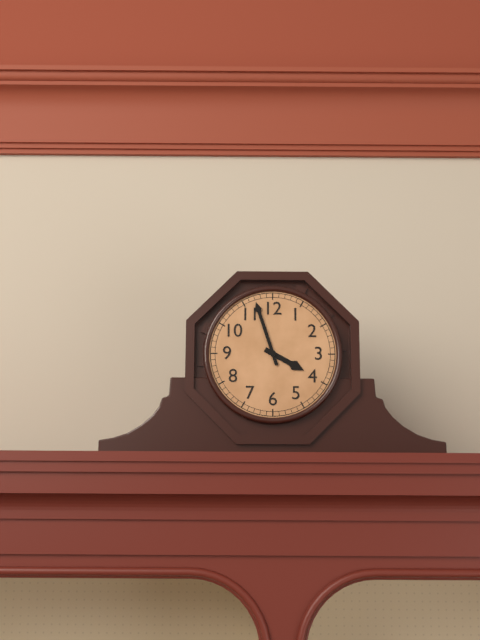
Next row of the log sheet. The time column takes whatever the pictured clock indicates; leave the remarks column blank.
3:57
